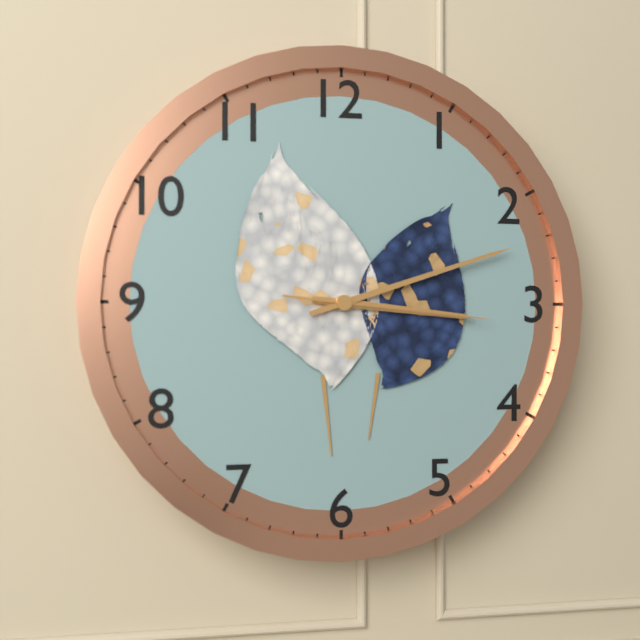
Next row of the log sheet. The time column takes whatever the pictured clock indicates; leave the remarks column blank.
3:12:16
